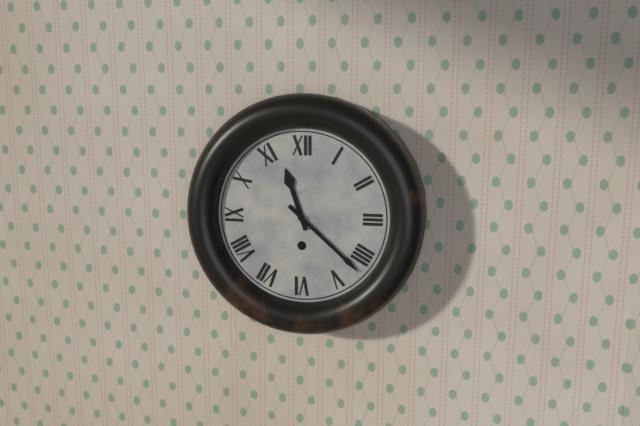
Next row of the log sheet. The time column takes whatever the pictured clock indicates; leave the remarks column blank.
11:22
